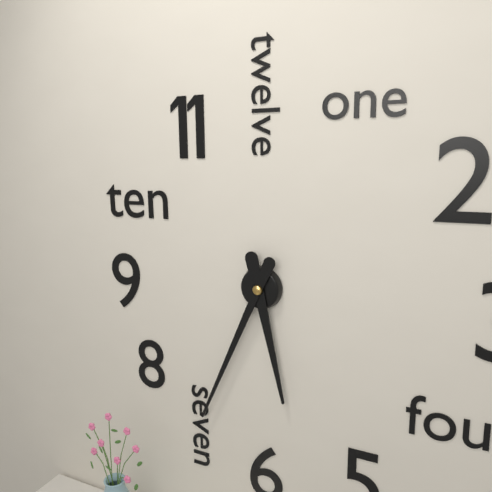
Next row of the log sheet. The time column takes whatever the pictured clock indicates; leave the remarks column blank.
5:34
